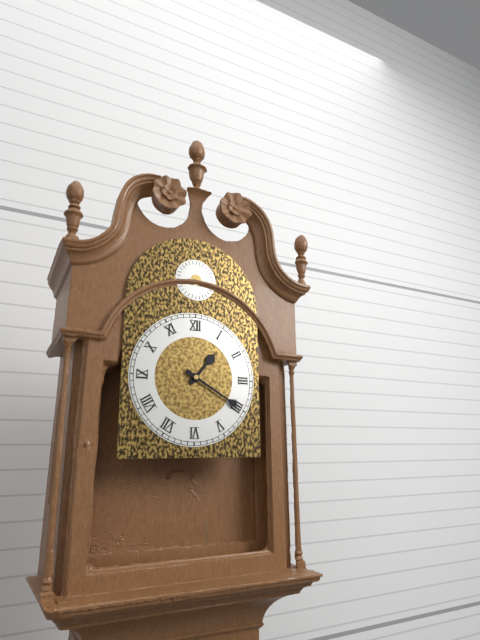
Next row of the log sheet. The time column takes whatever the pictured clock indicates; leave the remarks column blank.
1:20
